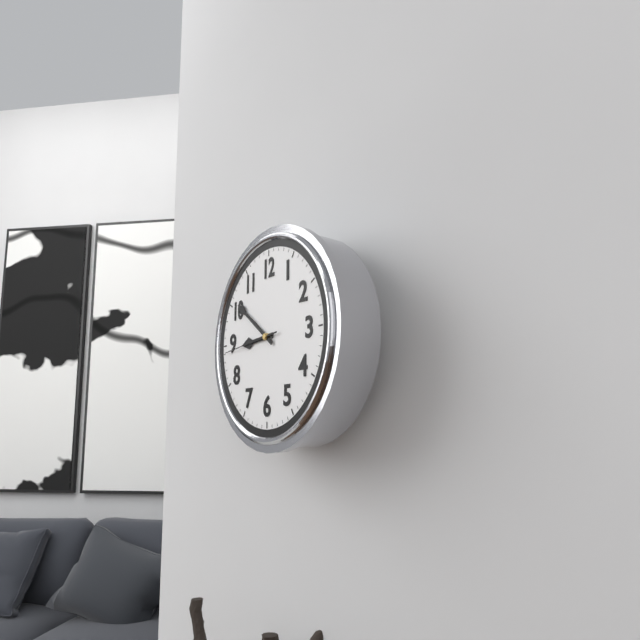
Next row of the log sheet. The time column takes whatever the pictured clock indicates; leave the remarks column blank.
8:51:44
